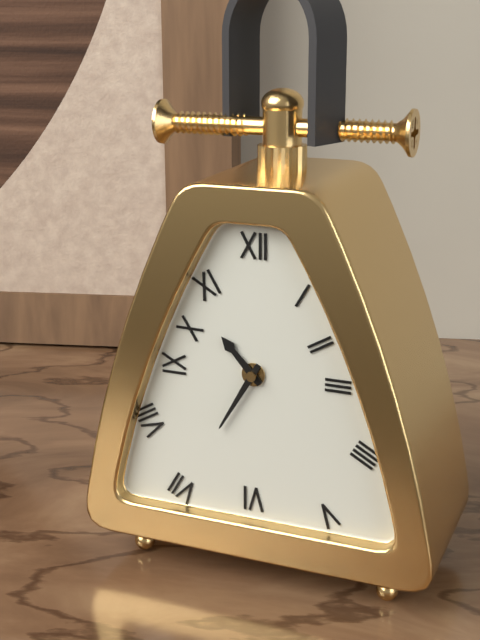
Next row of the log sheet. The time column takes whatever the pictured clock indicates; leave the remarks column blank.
10:35
